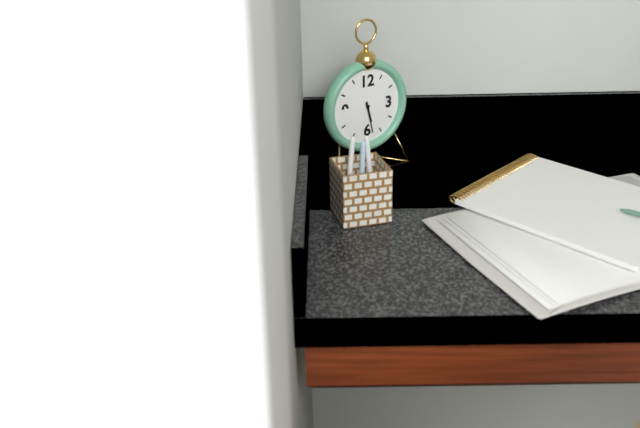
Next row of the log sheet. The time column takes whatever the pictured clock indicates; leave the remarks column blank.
5:28
